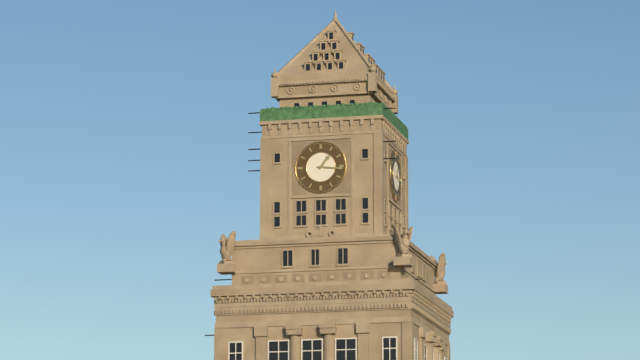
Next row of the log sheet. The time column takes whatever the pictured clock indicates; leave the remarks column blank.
1:16
